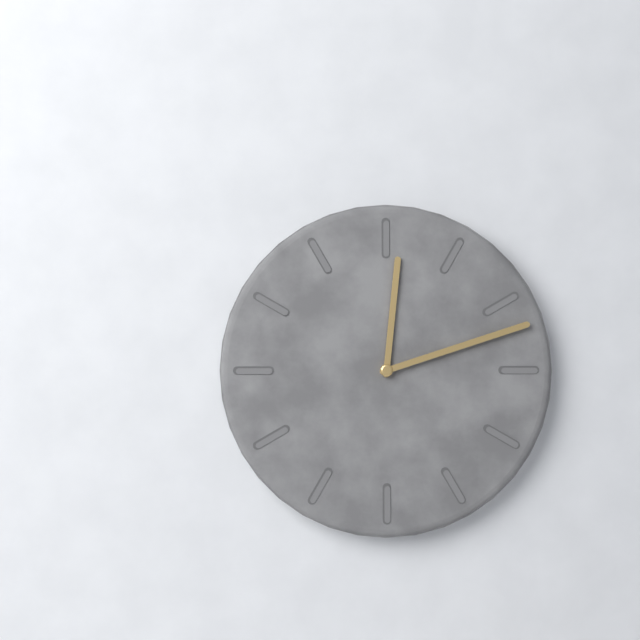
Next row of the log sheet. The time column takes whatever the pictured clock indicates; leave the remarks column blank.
12:12
